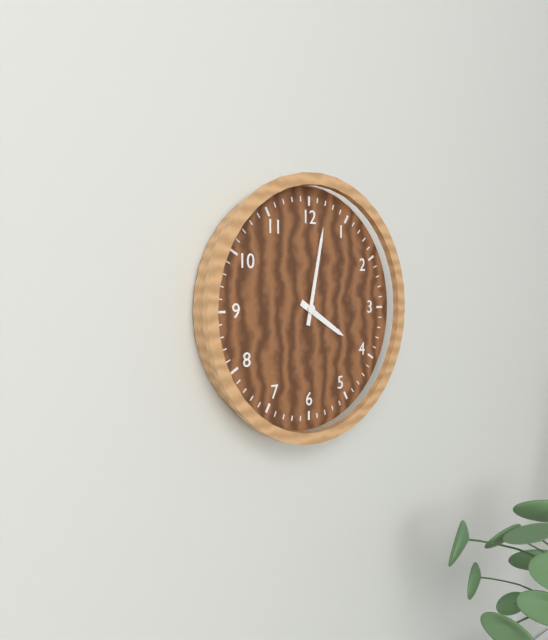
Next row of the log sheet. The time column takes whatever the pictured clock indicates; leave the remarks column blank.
4:02
